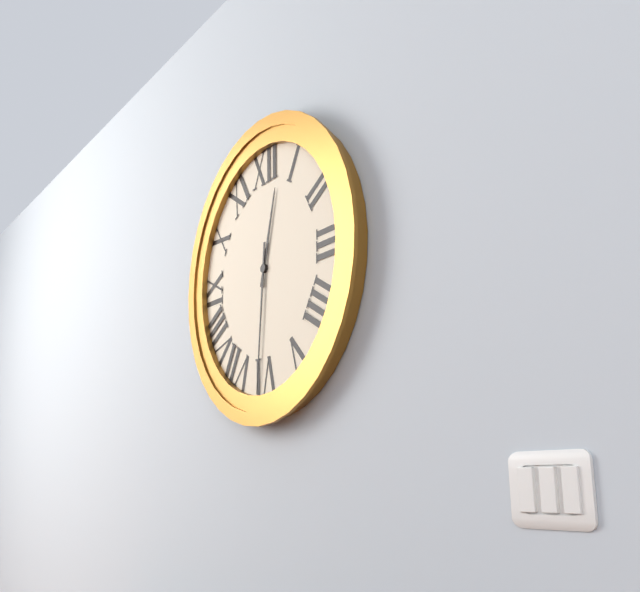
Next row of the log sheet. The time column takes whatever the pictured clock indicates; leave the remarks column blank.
12:31
